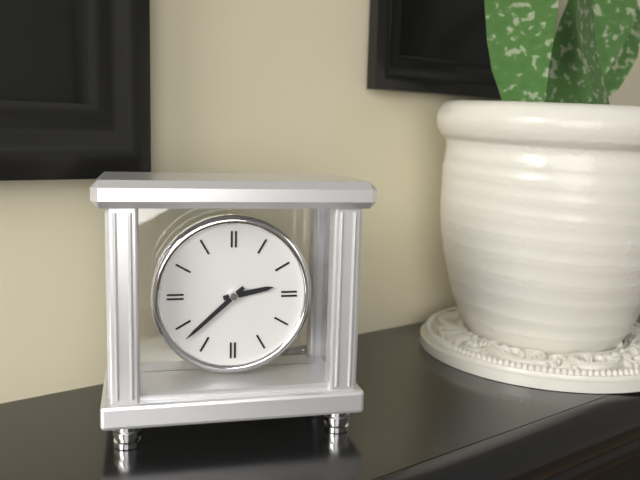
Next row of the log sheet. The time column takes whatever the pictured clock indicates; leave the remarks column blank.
2:38
